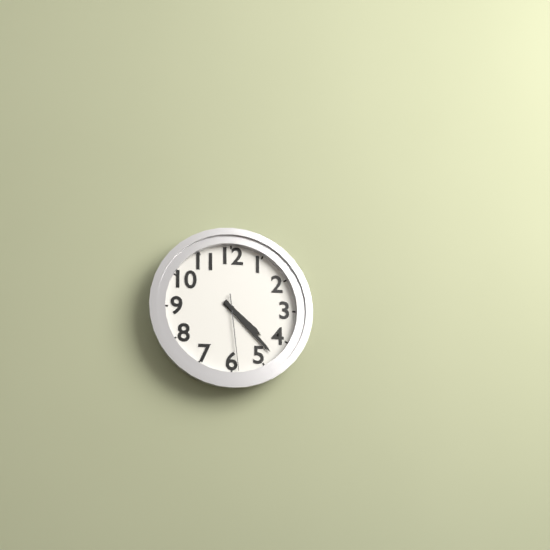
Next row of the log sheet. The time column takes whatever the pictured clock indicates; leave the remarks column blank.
4:23:29
